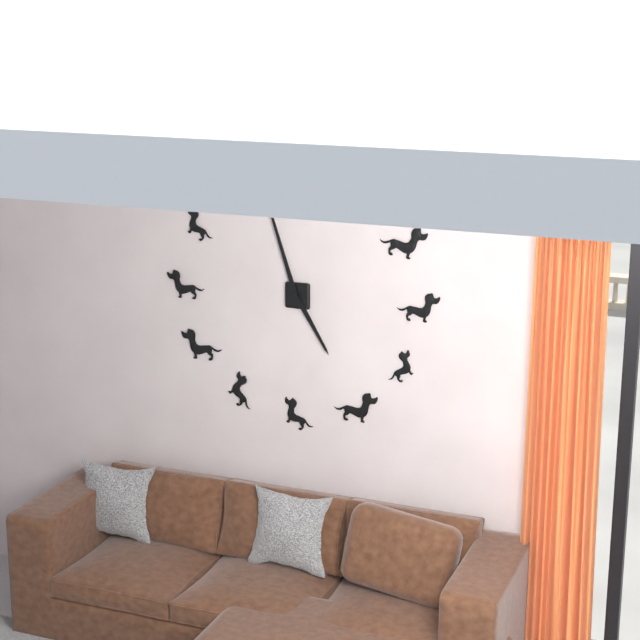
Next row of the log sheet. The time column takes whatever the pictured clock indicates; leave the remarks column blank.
4:57
